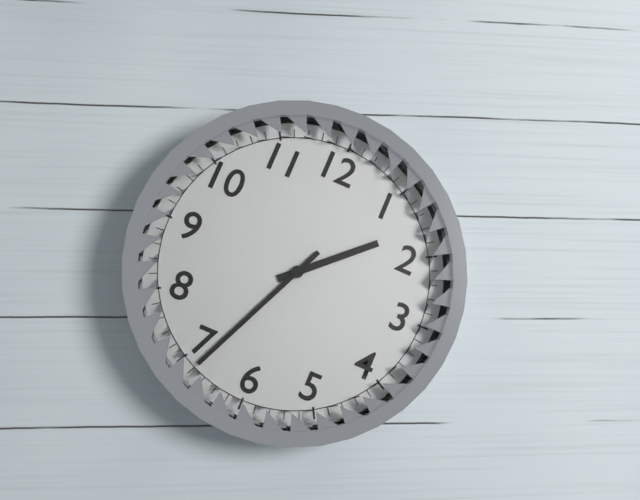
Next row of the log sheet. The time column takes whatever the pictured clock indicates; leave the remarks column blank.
1:34
